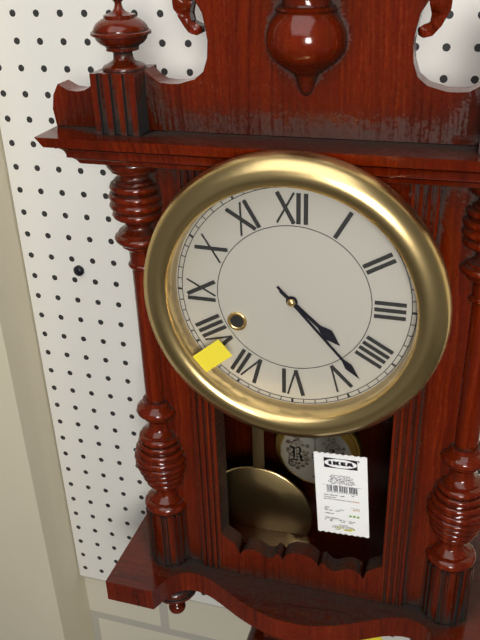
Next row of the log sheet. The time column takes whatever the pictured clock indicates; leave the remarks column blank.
4:23
